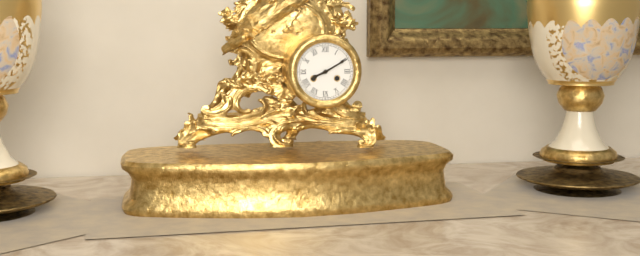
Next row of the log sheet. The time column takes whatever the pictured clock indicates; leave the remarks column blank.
8:10
